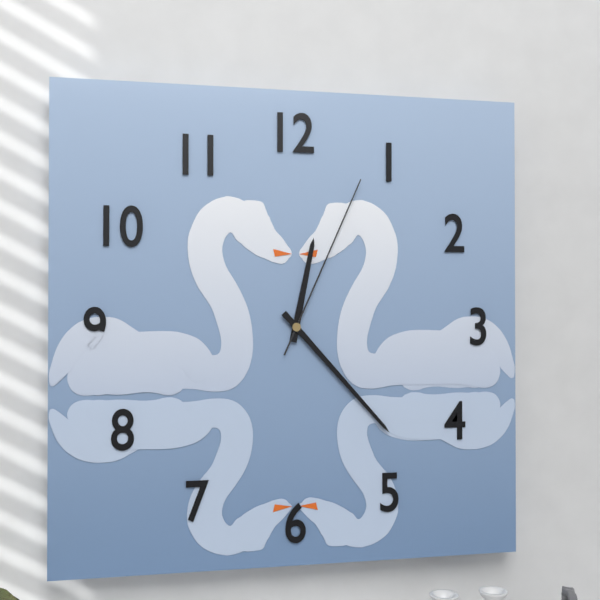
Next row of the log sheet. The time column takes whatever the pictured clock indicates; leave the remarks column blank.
12:23:04
